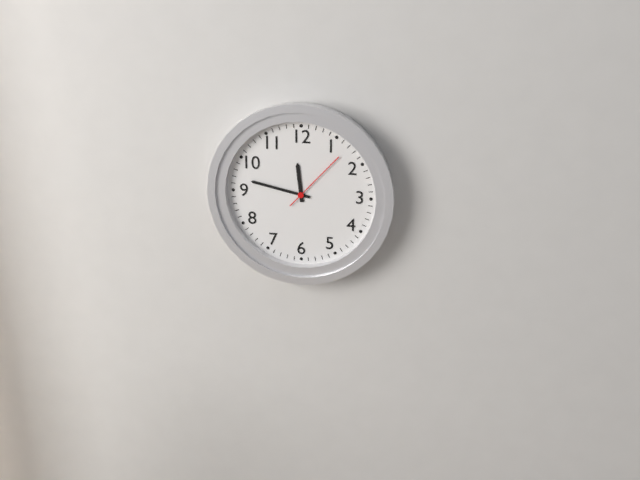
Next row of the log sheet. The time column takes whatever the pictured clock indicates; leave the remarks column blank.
11:47:07
